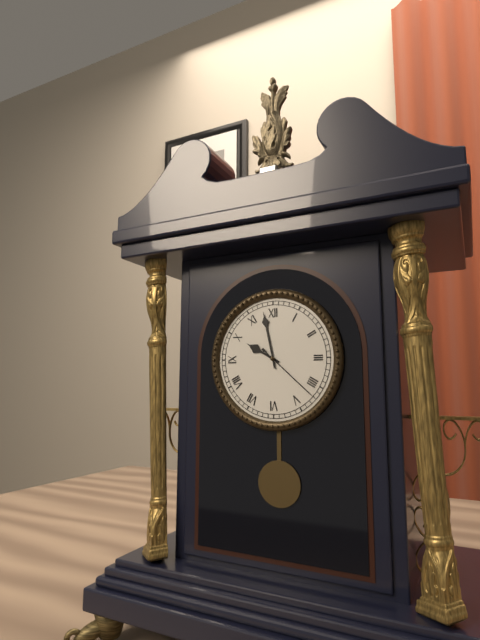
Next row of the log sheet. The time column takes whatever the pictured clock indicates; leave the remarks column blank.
9:58:22
